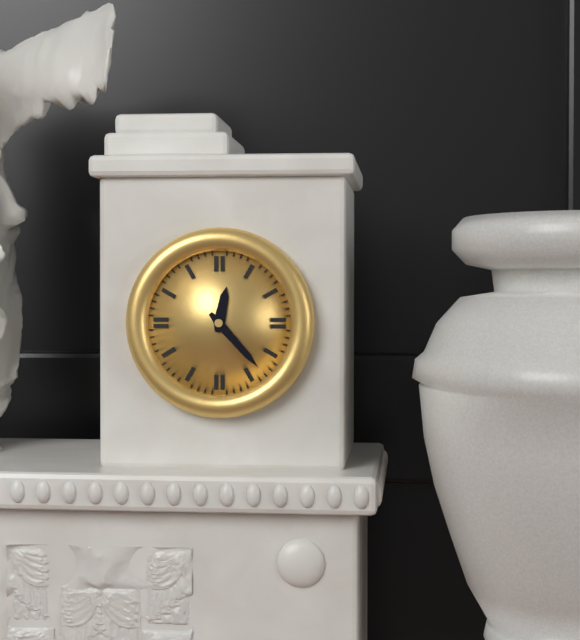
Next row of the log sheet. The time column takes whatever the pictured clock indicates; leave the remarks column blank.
12:23
